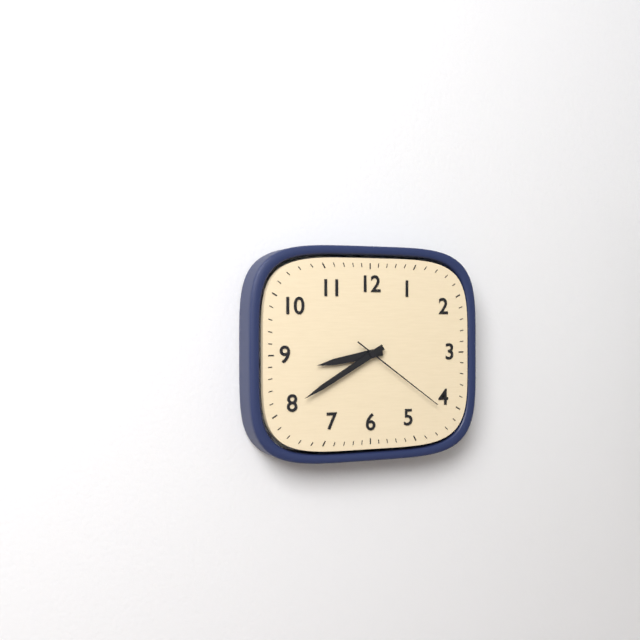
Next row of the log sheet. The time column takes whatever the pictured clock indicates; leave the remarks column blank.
8:40:21
